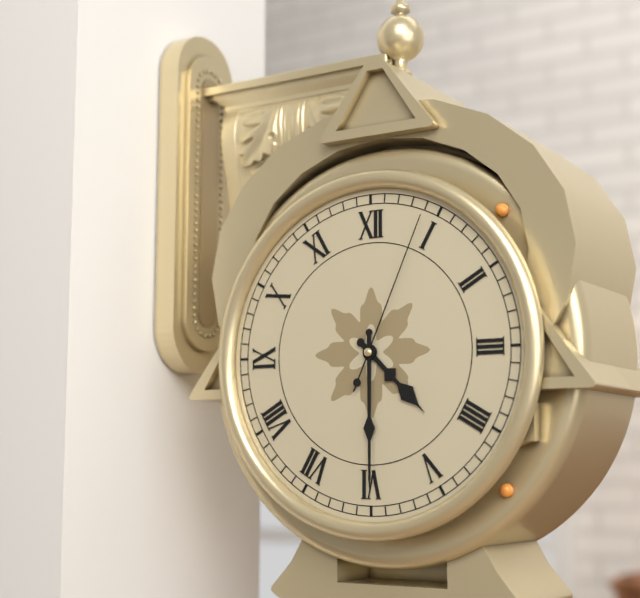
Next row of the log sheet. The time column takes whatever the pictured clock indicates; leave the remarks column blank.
4:30:04
